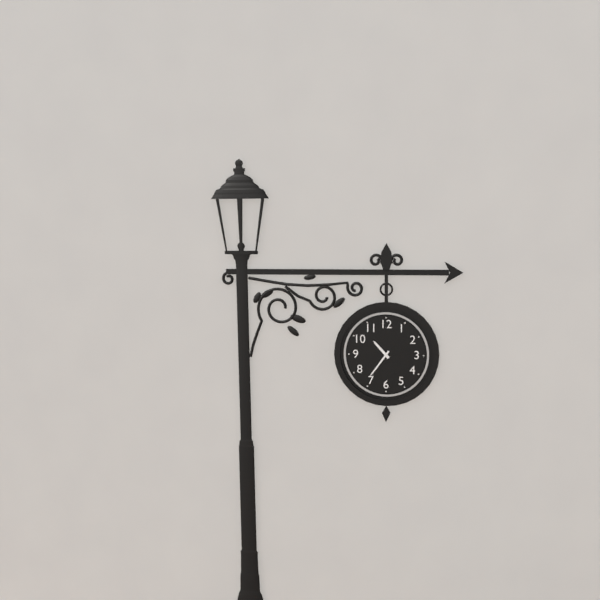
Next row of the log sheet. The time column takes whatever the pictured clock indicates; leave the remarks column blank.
10:36
